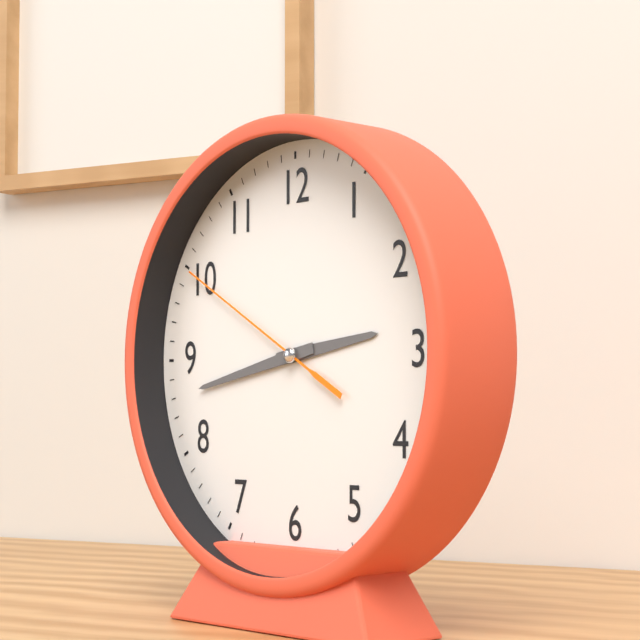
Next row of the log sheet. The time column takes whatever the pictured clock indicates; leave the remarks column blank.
2:43:50
